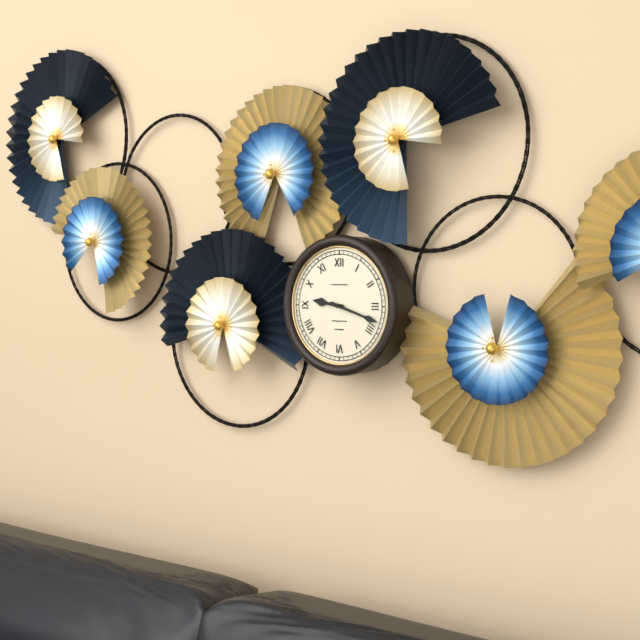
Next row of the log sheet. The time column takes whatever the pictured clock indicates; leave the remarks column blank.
9:18
